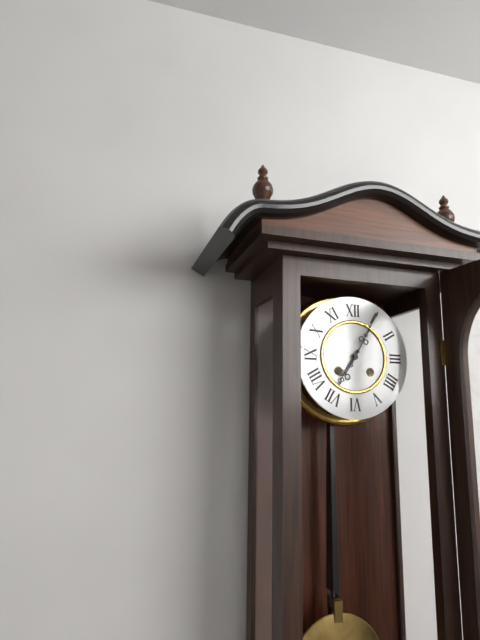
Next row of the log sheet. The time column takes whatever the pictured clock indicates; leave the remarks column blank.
7:05
